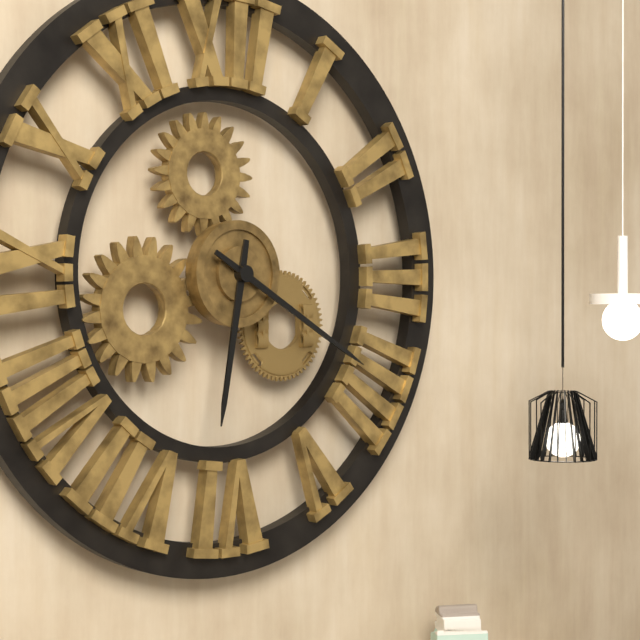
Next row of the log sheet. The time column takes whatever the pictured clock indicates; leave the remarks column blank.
6:20
